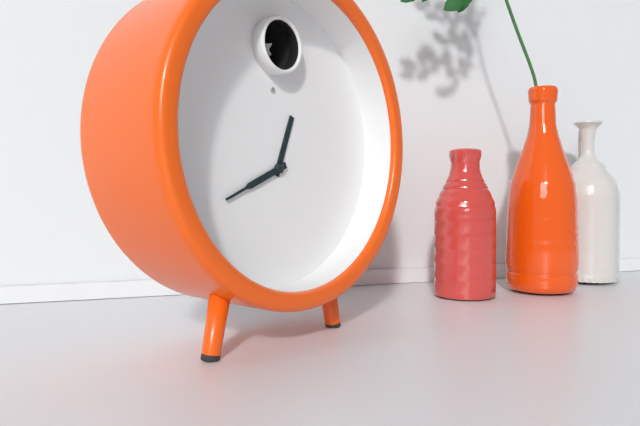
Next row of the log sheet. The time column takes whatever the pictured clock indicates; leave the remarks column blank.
12:41
